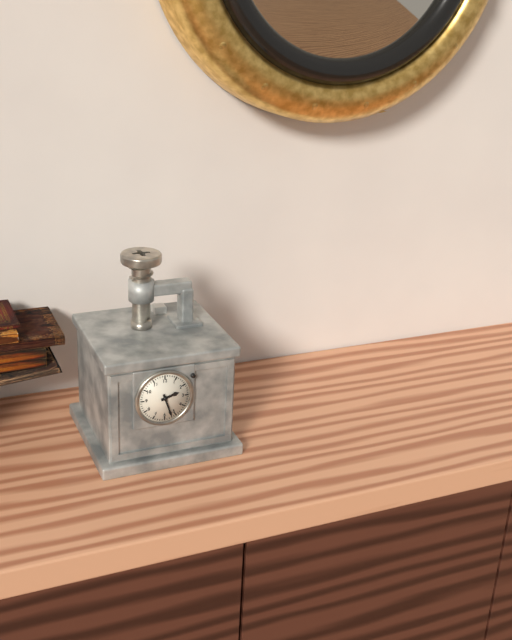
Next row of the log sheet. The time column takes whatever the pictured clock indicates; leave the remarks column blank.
2:27
